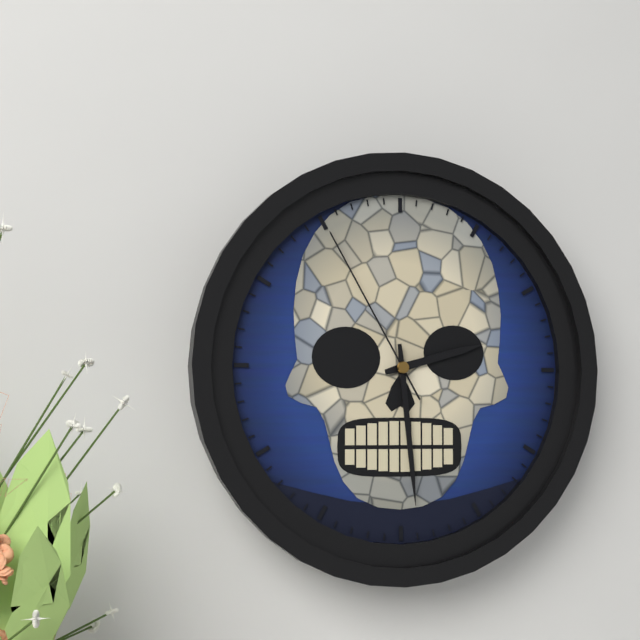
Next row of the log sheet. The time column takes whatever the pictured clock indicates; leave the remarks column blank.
2:29:55
